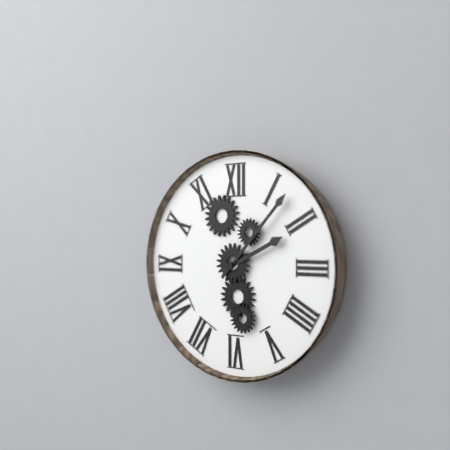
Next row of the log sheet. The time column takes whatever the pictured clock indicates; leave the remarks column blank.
2:07
